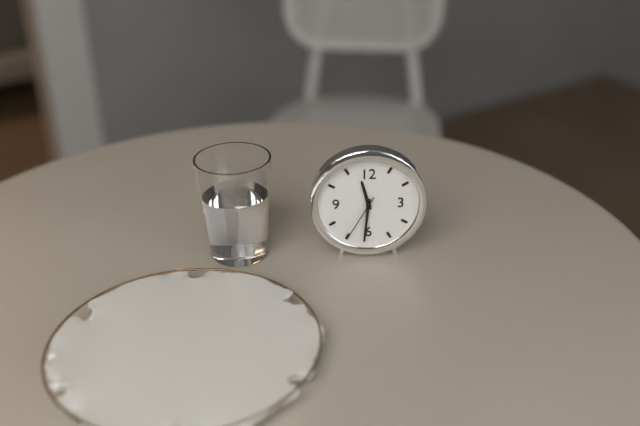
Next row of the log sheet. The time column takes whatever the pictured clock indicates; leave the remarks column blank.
11:31:35
